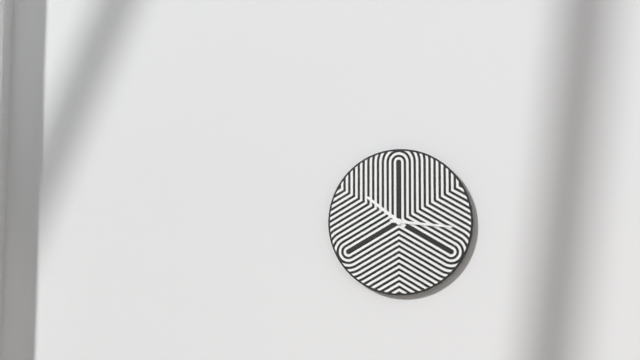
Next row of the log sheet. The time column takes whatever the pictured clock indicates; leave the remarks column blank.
10:16
